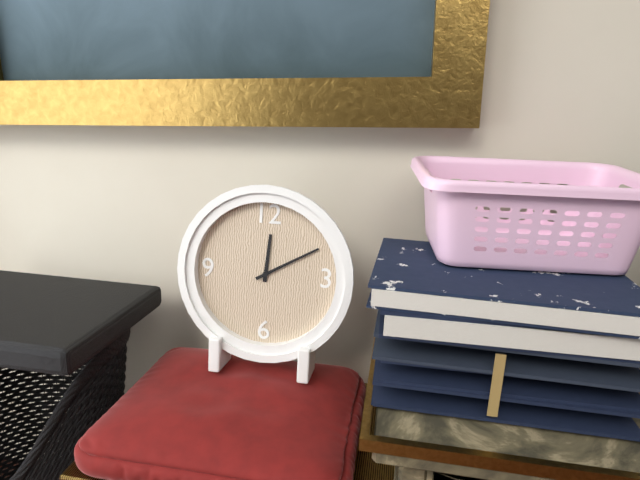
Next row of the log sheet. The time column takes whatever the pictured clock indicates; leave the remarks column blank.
12:10
